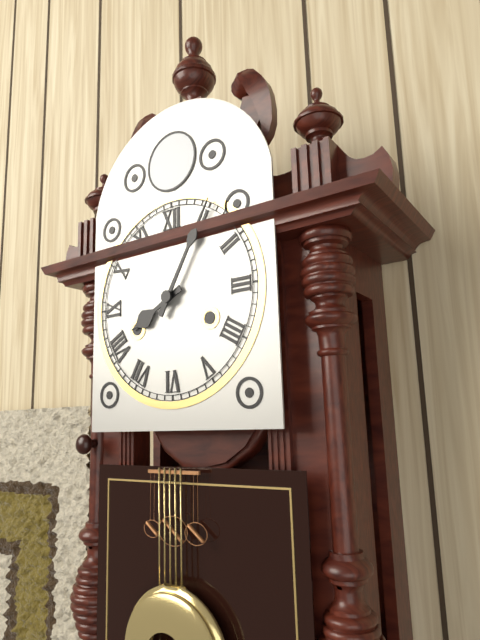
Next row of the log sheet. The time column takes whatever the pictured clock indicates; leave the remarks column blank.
8:05
